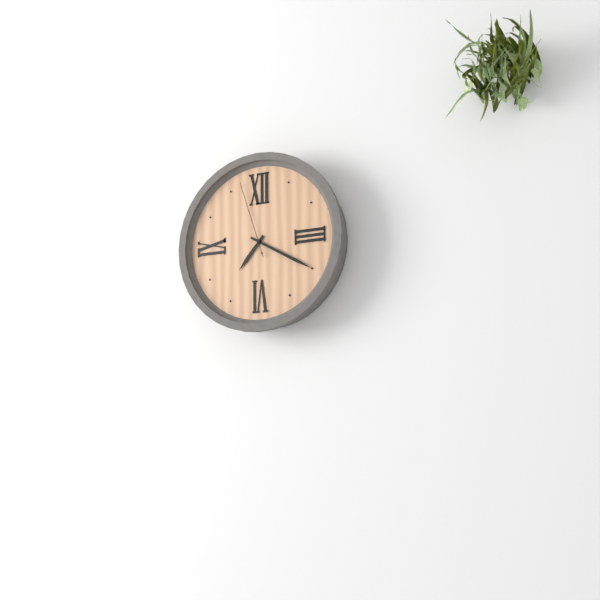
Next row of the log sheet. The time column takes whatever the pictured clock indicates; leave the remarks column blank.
7:20:57
